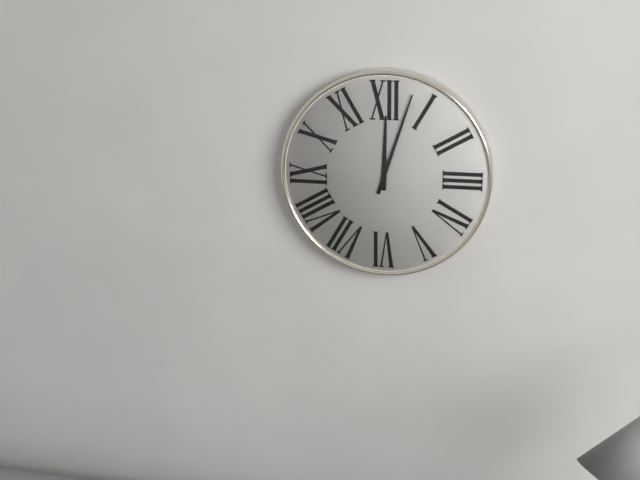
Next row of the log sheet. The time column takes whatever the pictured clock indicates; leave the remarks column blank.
12:03
